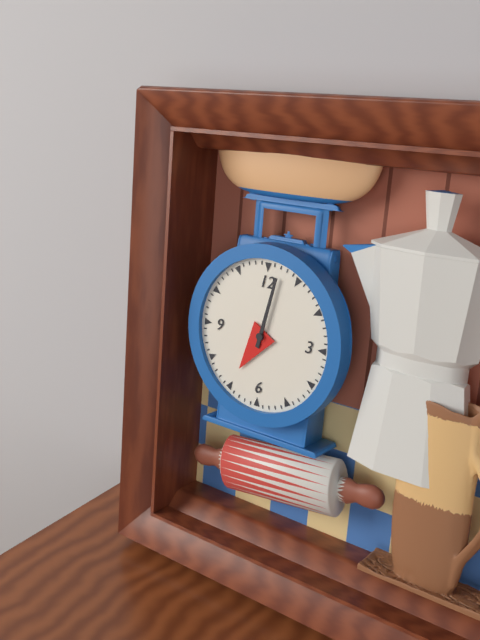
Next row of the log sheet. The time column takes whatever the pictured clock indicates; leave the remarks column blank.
7:02
